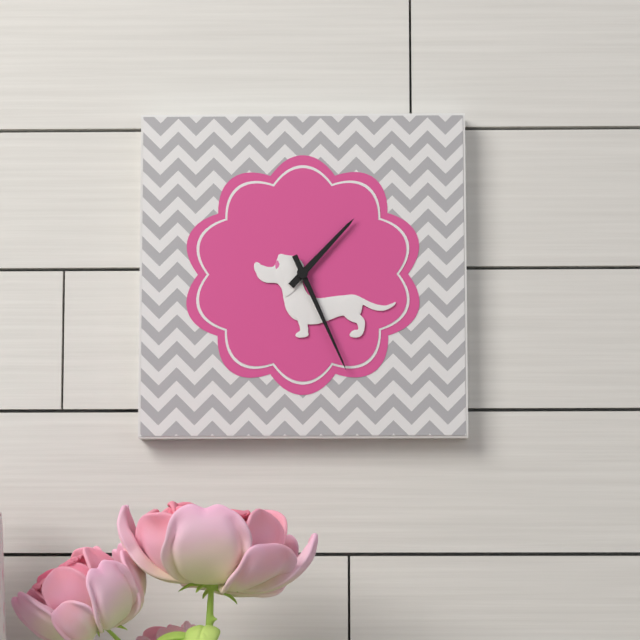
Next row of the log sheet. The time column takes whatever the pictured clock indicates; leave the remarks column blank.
1:26
